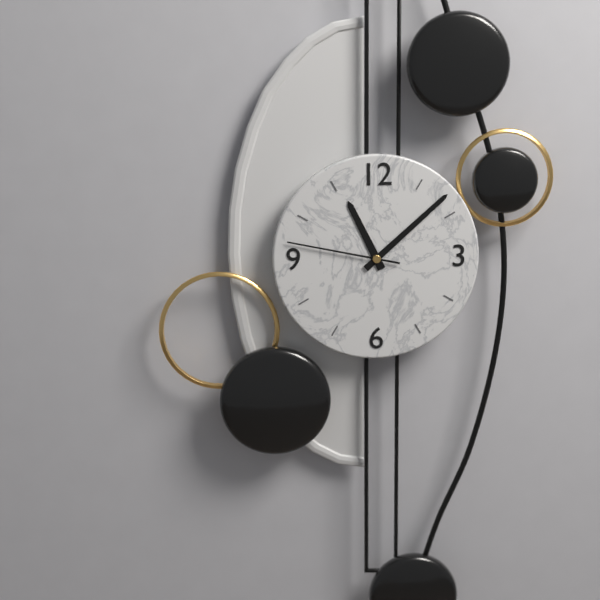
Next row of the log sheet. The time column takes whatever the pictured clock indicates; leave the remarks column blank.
11:08:47
